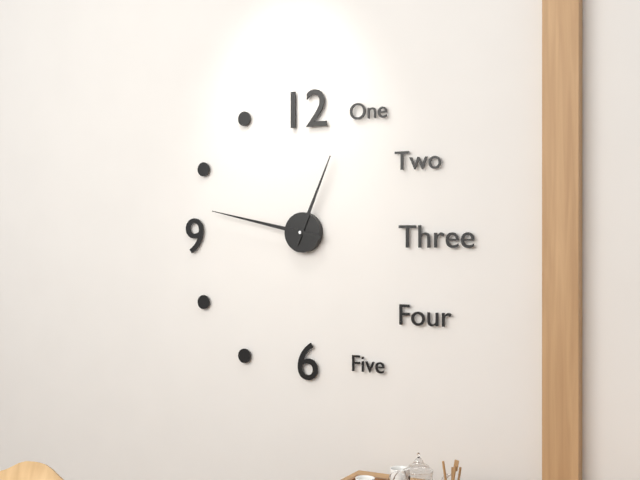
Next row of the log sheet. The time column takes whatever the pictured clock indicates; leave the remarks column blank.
12:47
